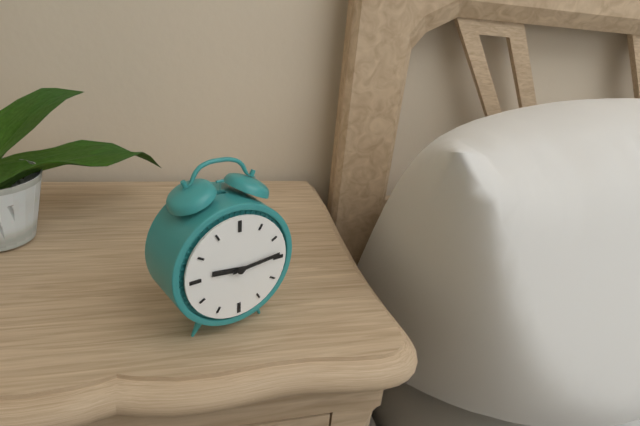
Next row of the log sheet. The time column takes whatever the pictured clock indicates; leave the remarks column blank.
9:14
